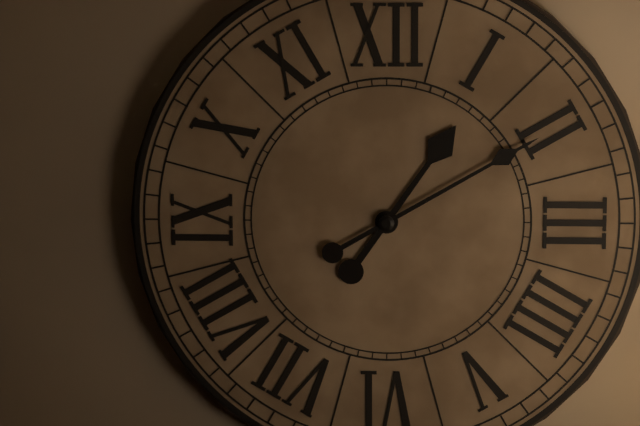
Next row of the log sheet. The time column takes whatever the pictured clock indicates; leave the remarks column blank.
1:10
